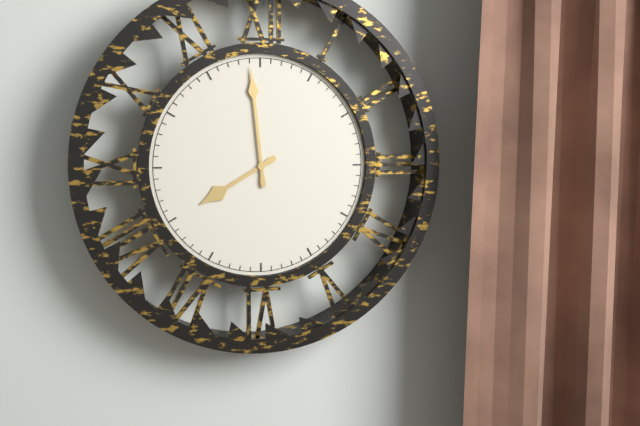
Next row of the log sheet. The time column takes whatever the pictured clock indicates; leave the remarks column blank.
7:59
